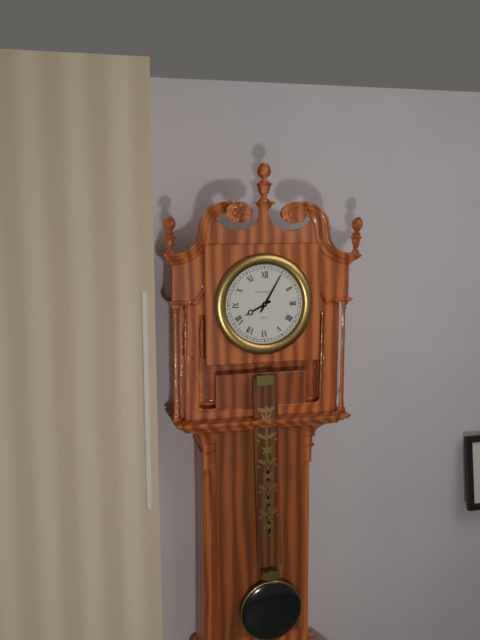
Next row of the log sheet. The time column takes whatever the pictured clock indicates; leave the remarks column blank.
8:05
